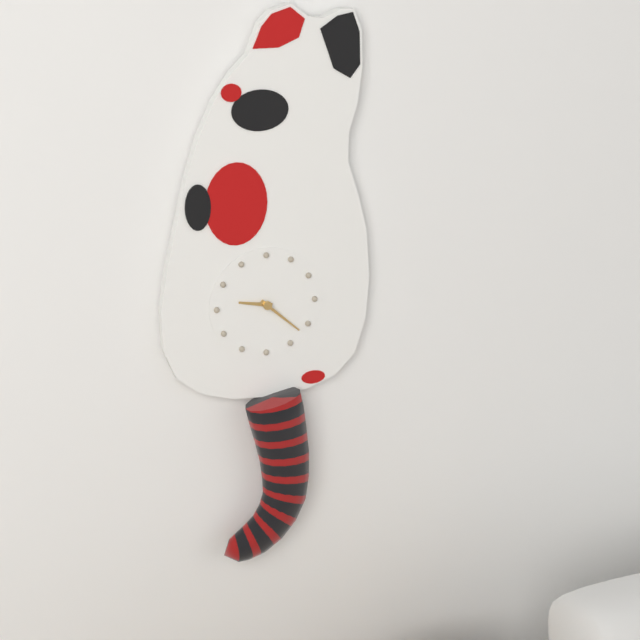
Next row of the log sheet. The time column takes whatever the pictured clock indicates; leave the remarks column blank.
9:22
